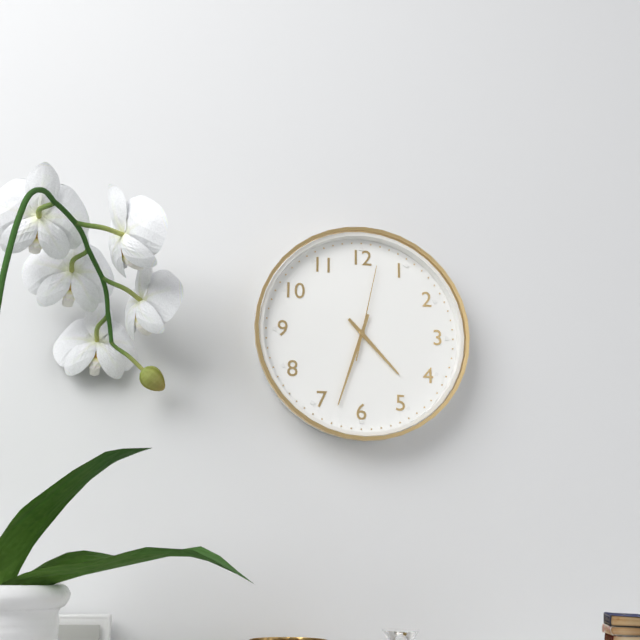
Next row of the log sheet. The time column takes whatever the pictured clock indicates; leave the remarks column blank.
4:33:02
